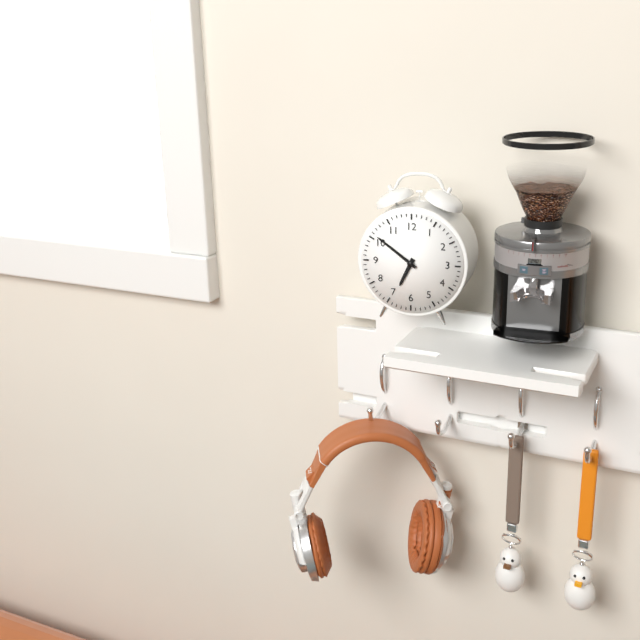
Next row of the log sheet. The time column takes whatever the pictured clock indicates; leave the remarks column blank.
6:51
